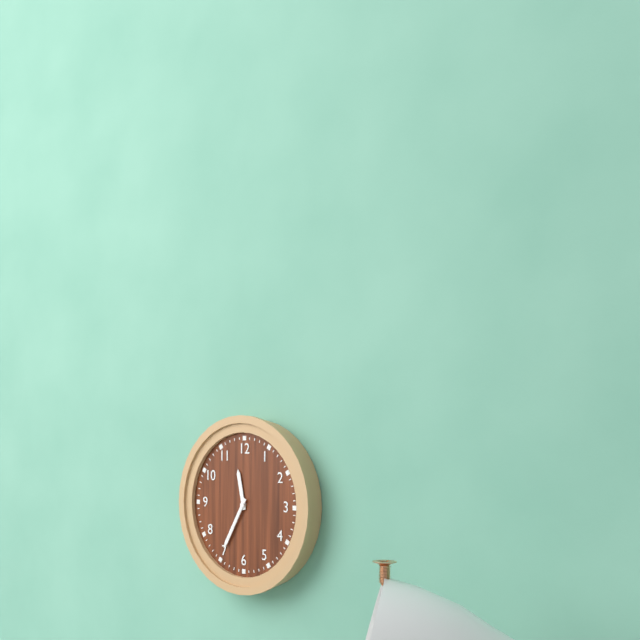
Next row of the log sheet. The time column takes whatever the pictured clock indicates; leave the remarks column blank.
11:35
